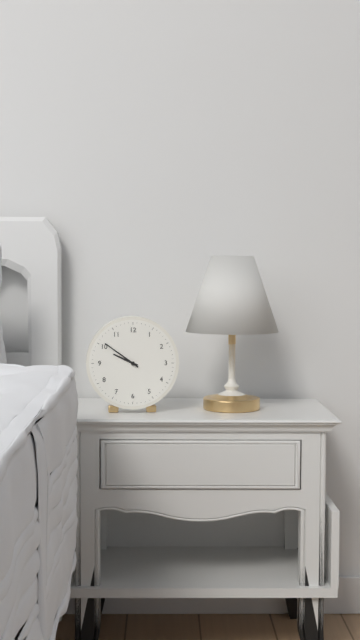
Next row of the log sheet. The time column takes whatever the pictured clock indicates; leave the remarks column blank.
9:51
